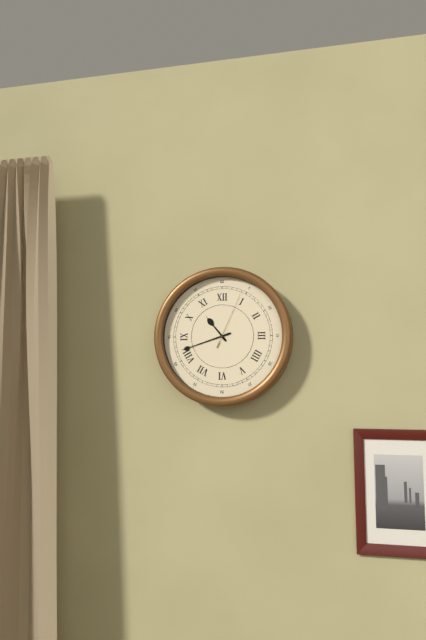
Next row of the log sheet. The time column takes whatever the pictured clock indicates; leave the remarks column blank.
10:42:04
